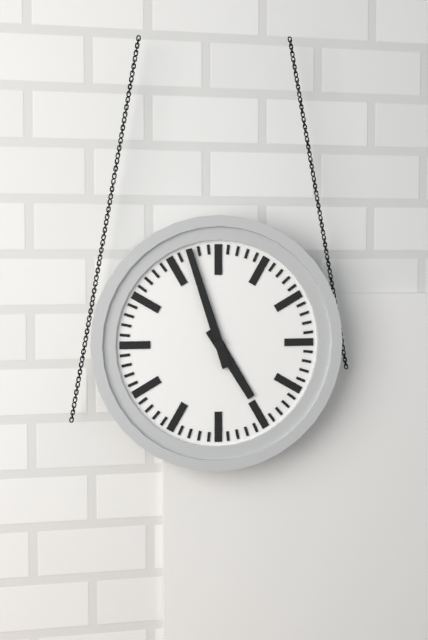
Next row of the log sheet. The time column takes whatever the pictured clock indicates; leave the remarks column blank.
4:57
